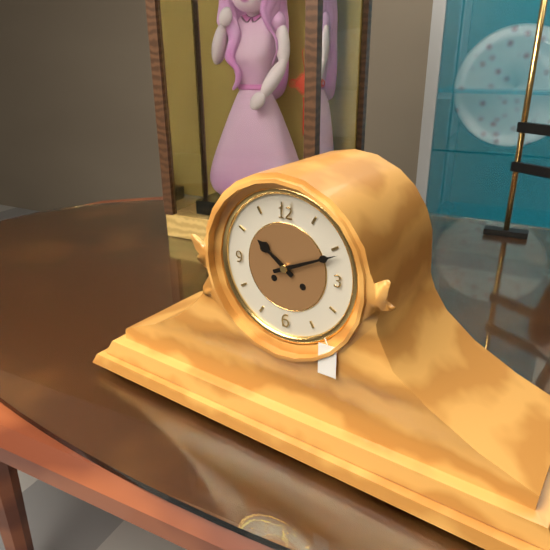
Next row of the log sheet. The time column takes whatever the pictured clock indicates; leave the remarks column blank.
10:11
